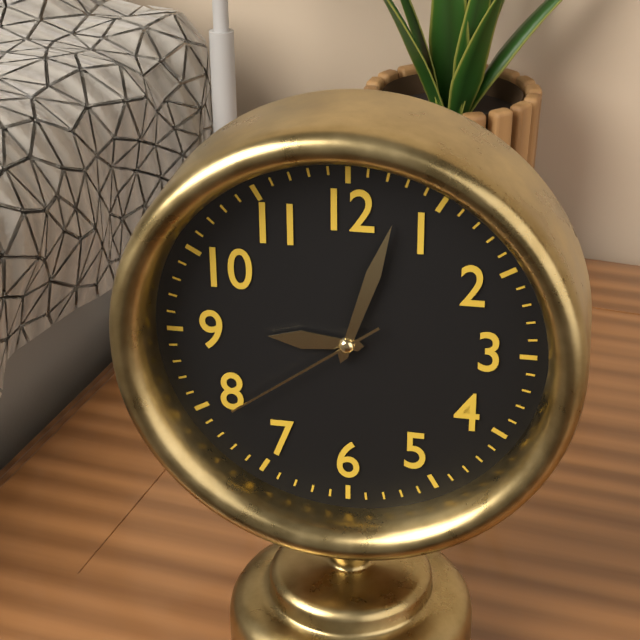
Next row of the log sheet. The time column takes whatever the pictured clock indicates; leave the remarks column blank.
9:03:39
